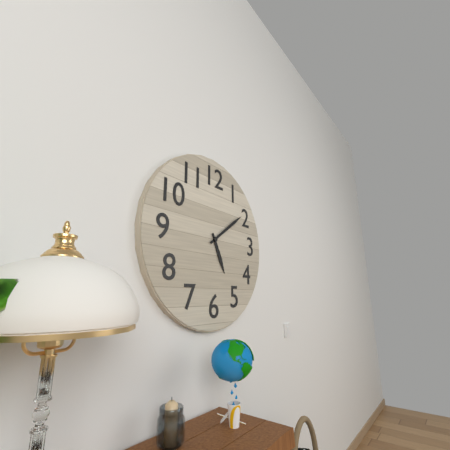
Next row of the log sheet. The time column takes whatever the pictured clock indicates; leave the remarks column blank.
5:09
